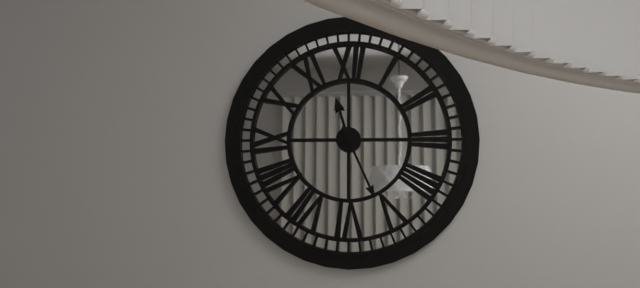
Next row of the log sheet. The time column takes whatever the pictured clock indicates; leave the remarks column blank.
11:26
